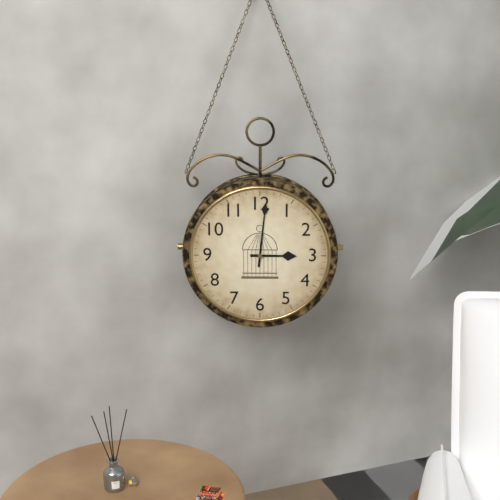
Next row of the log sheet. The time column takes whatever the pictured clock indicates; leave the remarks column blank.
3:01
